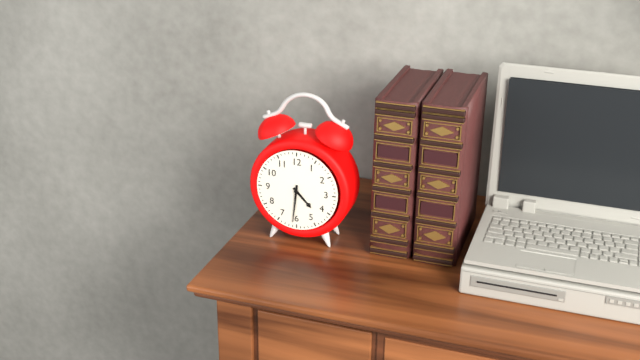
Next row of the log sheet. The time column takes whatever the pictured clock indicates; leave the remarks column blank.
4:31
